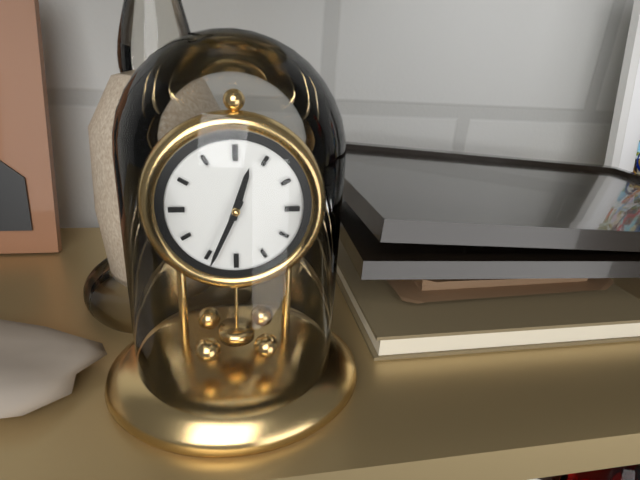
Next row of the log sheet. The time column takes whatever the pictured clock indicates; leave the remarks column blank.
12:34
